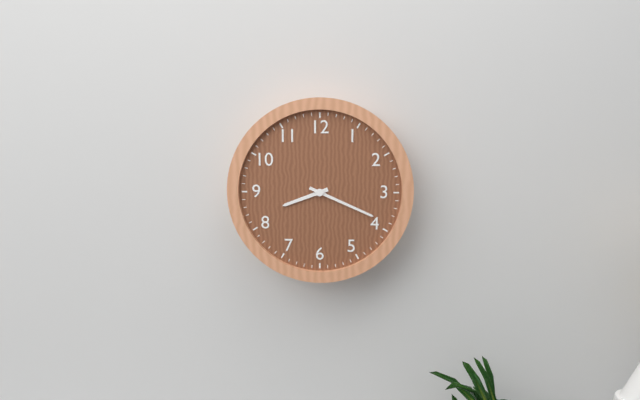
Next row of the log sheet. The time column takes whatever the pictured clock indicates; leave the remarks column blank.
8:19
